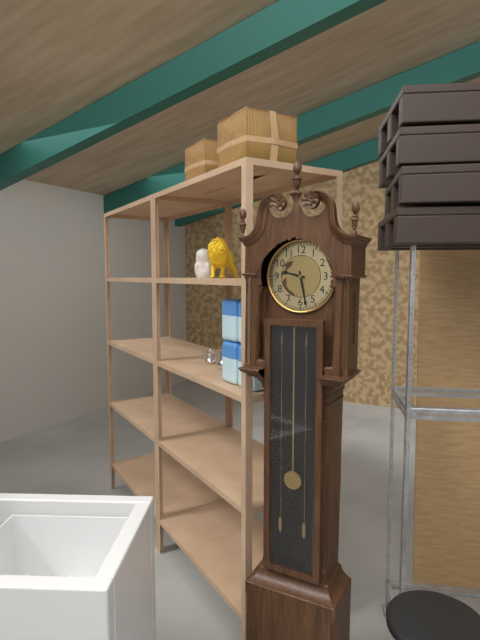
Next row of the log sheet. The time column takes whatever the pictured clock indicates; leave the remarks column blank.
9:28
